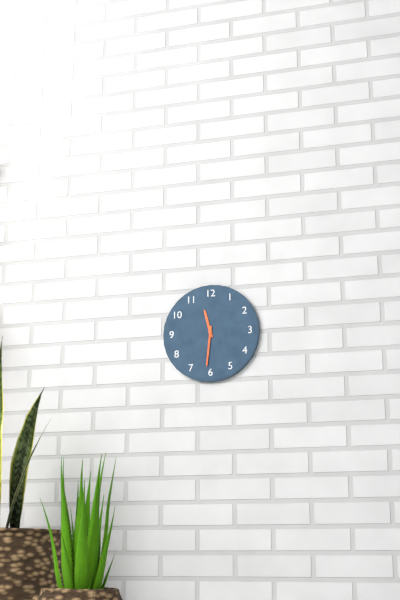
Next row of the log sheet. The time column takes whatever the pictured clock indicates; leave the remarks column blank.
11:31
